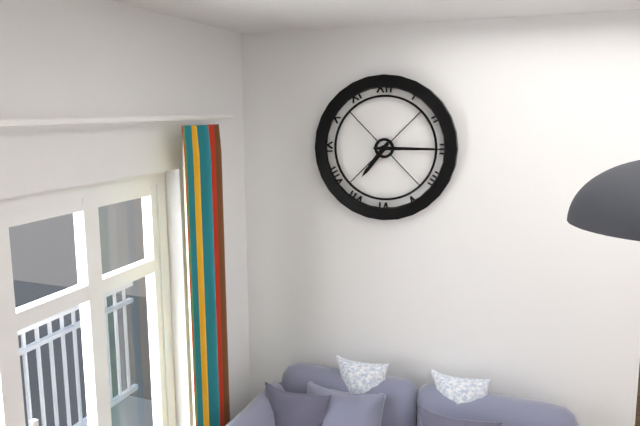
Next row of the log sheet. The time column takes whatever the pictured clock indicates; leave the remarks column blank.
7:15
